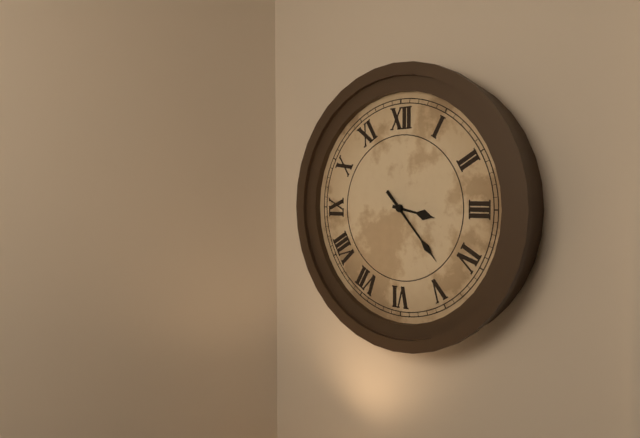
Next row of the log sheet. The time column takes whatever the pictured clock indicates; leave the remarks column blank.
3:23
